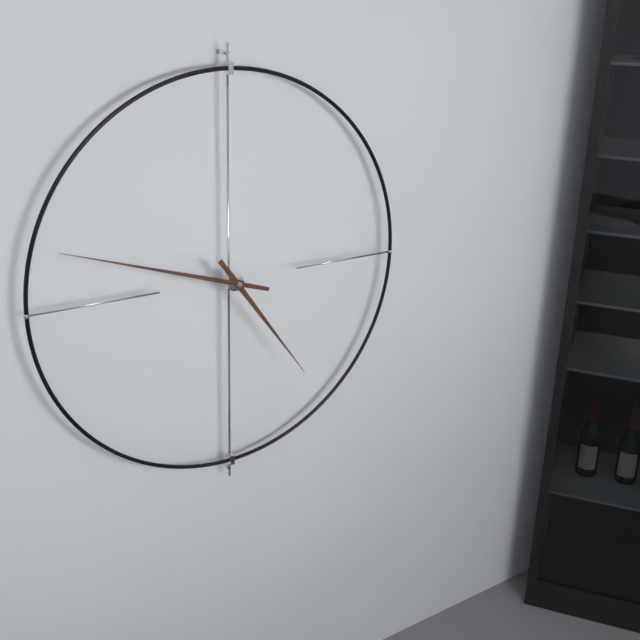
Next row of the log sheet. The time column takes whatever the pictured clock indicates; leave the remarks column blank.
4:48
